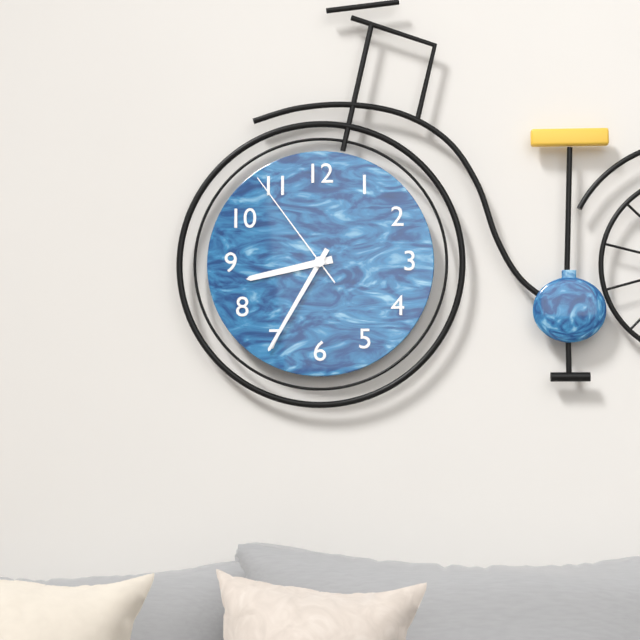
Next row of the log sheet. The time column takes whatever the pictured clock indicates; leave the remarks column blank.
8:35:54
